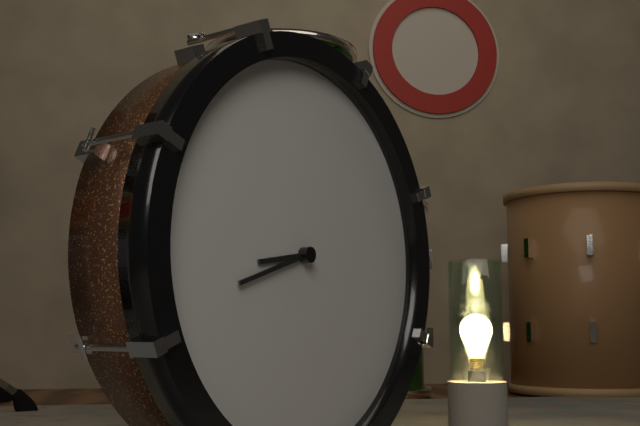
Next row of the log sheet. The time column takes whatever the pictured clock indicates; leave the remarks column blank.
8:42
